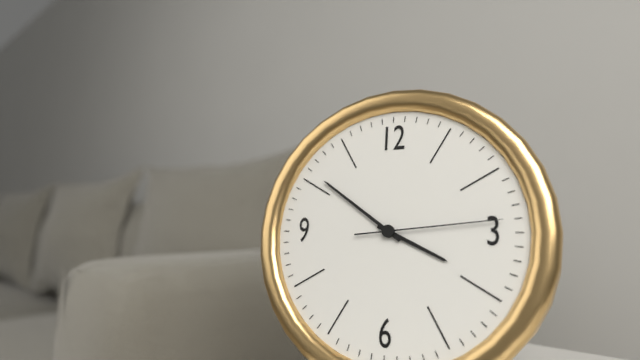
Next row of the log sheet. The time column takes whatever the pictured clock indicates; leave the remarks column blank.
3:51:14
